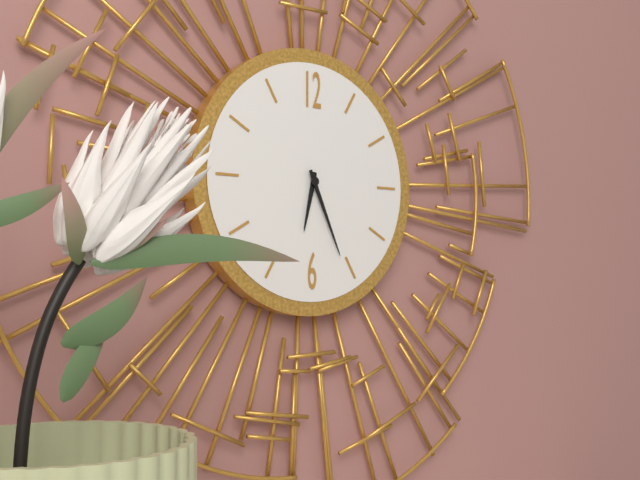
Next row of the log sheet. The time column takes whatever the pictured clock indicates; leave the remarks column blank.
6:26
